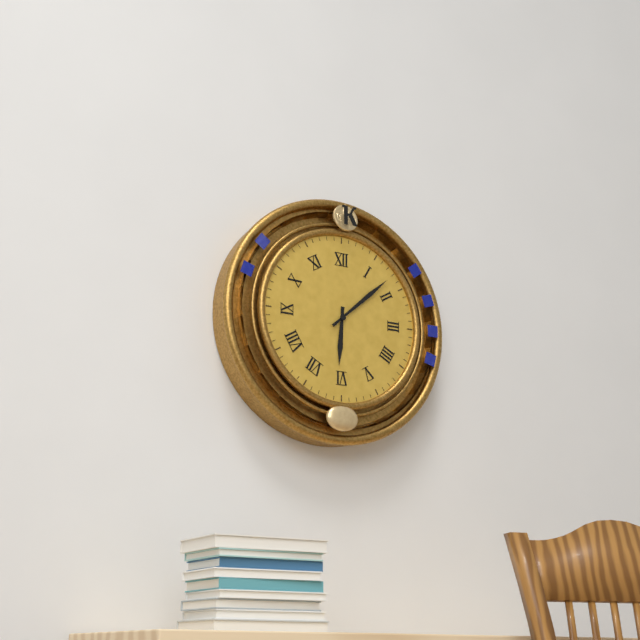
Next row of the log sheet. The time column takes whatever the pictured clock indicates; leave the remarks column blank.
6:08
